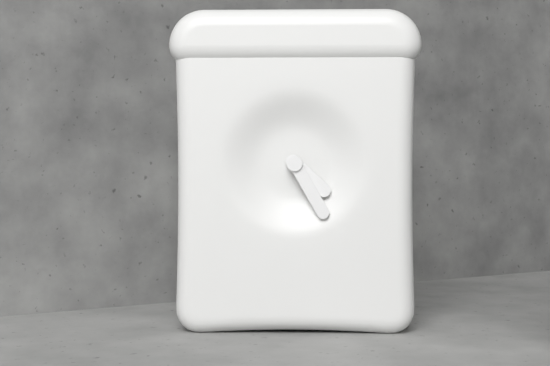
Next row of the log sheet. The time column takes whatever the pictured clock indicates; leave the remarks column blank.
4:25
